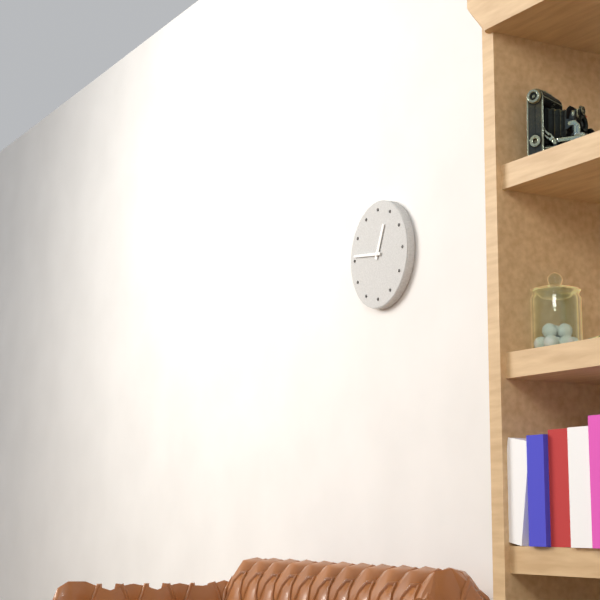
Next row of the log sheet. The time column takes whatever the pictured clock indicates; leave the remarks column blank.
12:46
